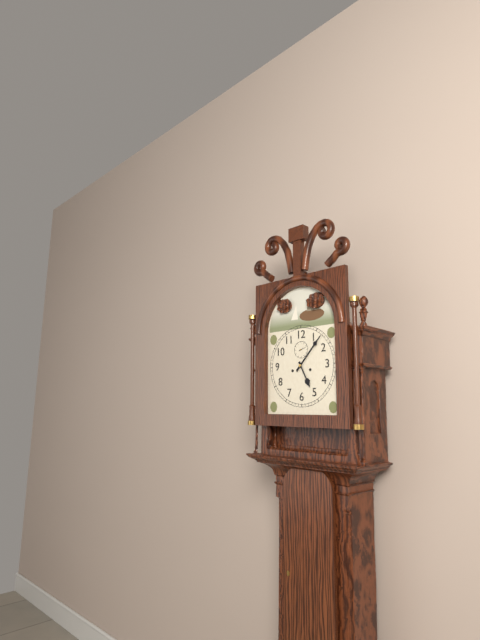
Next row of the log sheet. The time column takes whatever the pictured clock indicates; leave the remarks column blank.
5:07
